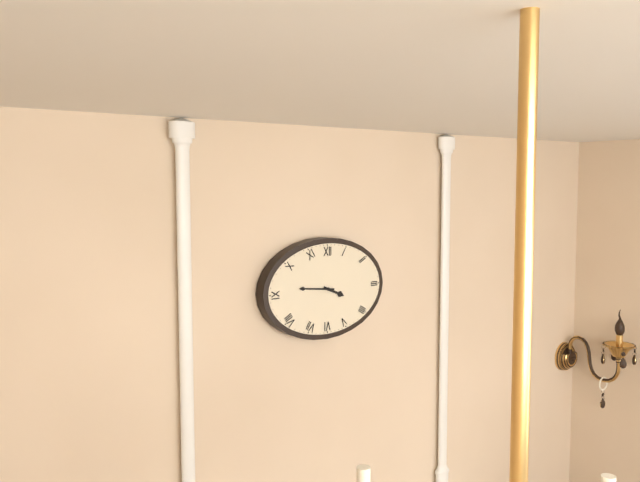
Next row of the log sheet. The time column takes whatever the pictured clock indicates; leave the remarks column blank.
3:46
